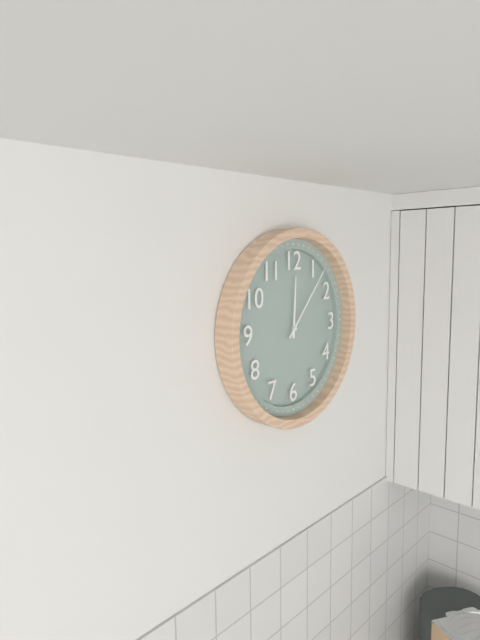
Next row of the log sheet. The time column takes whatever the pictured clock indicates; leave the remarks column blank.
12:07
